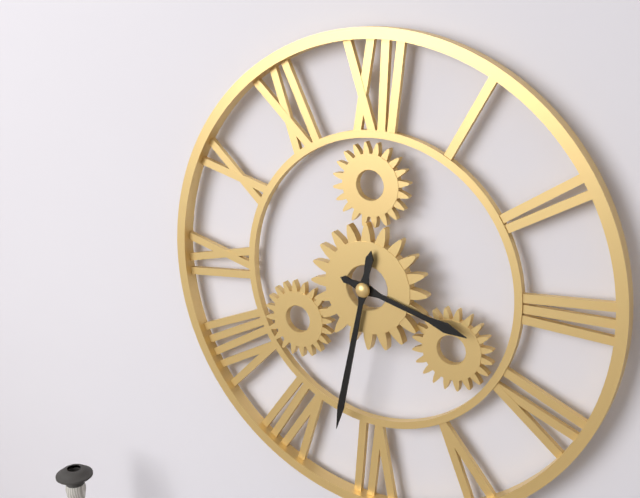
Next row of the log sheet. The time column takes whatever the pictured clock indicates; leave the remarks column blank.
3:32
